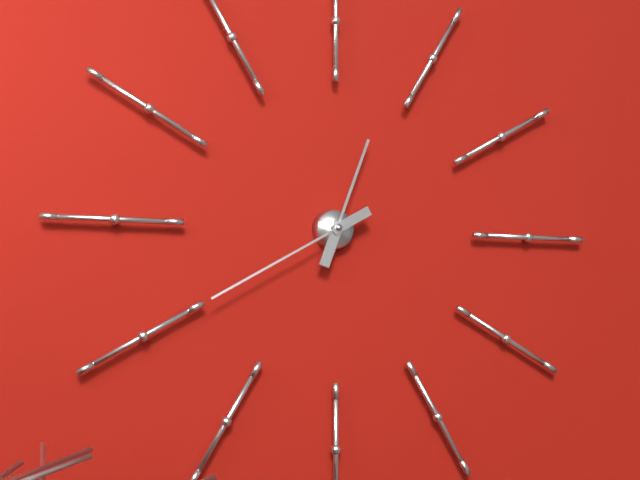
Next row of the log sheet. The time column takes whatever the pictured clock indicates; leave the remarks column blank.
12:40
